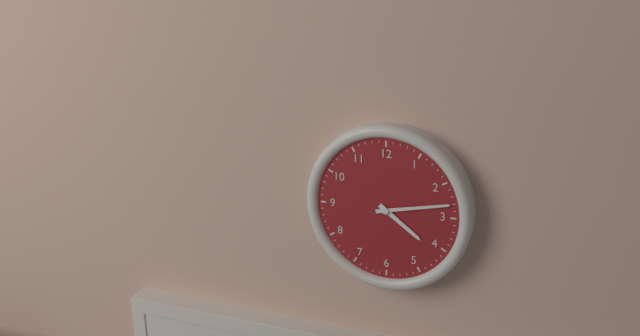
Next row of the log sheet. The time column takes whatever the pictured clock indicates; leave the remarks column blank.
4:13
